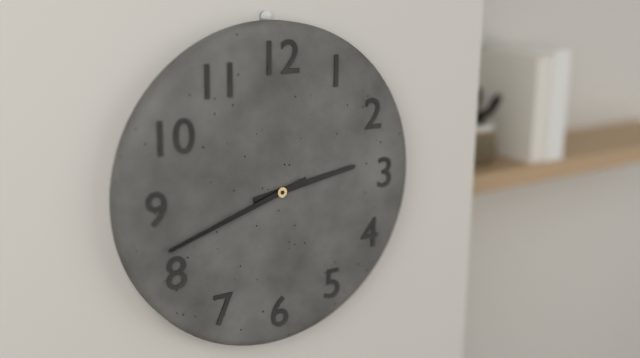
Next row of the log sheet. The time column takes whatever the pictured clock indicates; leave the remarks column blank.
2:42
